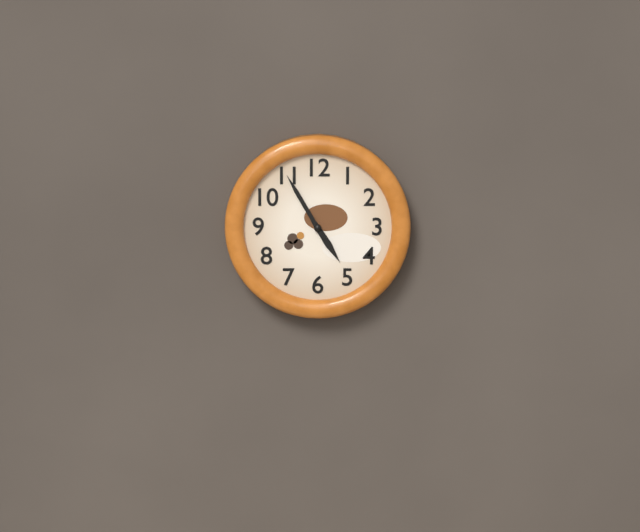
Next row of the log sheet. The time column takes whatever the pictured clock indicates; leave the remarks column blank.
4:55
